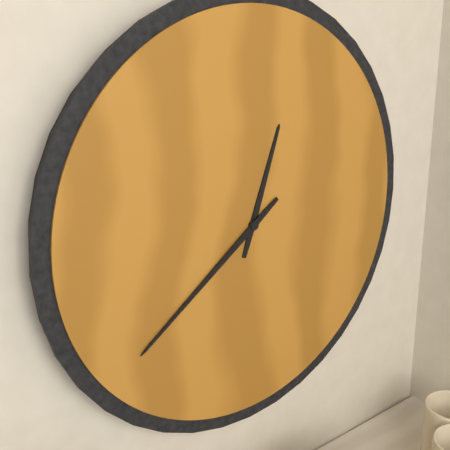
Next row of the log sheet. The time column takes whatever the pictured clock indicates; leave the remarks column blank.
12:39
